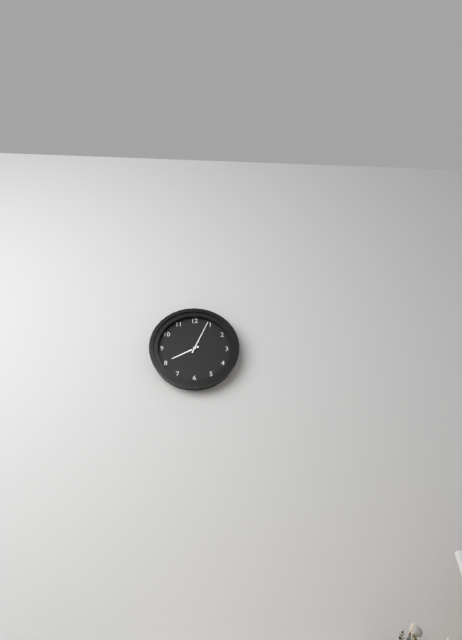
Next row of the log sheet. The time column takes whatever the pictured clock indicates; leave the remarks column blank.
8:04
